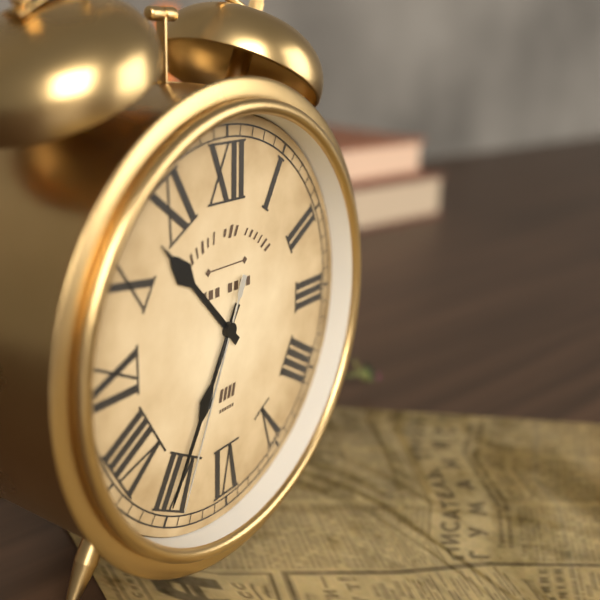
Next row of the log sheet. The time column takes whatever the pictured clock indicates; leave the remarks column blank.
10:35:34
